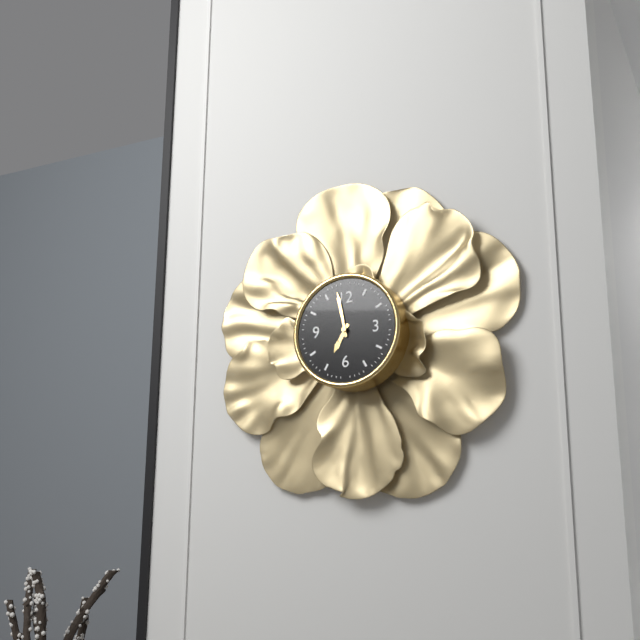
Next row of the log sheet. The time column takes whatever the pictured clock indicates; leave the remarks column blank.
6:58
